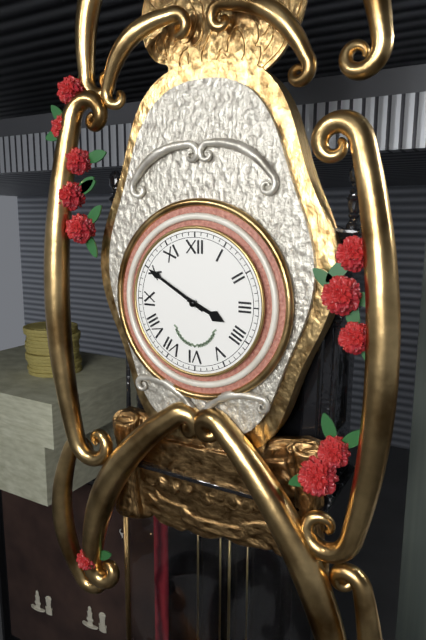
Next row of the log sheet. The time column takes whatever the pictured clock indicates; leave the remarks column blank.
3:50
